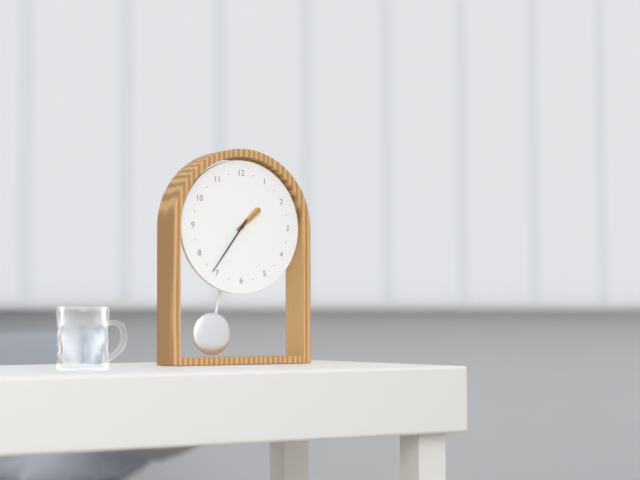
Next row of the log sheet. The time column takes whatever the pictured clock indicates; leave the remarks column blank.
1:36
